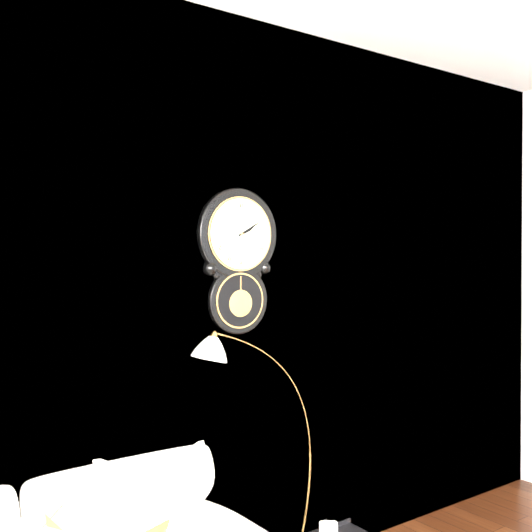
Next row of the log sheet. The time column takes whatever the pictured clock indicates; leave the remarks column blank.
2:10
